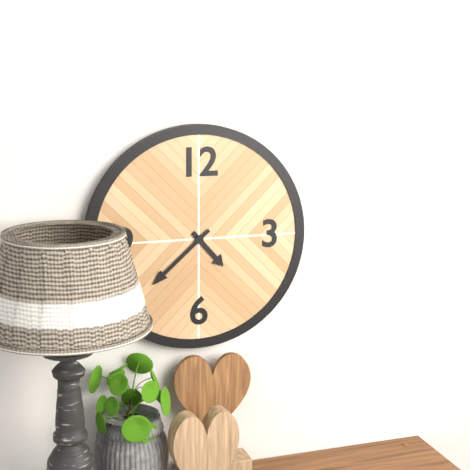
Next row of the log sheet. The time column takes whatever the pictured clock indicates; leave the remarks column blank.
4:38
